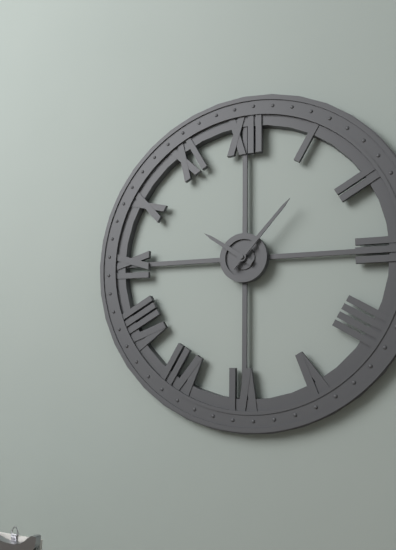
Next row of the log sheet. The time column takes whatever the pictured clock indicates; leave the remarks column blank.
10:07
